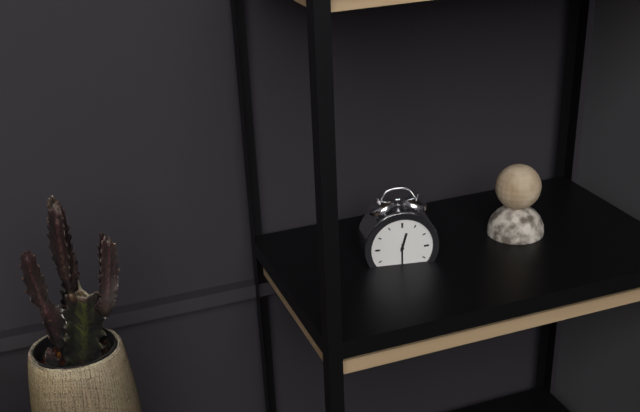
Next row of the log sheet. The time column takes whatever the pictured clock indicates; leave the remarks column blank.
12:30
